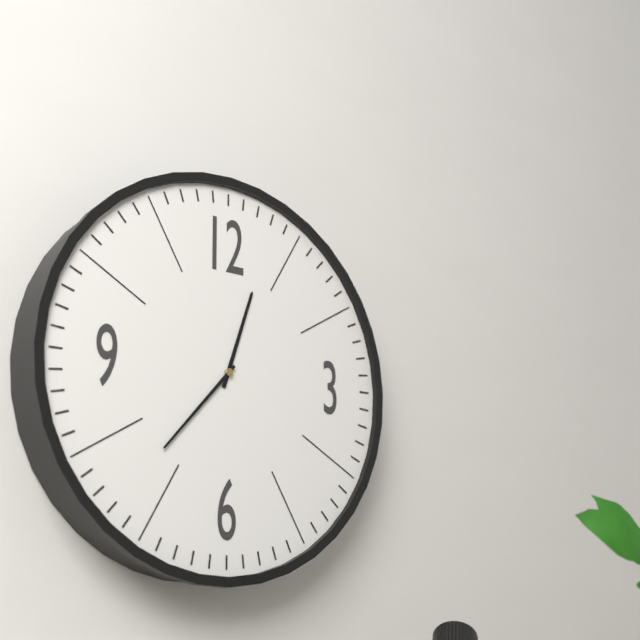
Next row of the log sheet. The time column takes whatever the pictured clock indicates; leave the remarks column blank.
12:37
